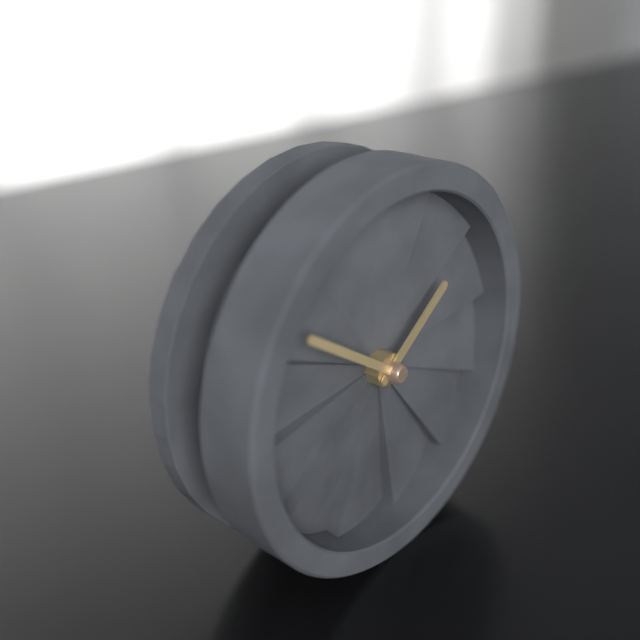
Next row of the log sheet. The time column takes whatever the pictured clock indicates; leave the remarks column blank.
1:51
